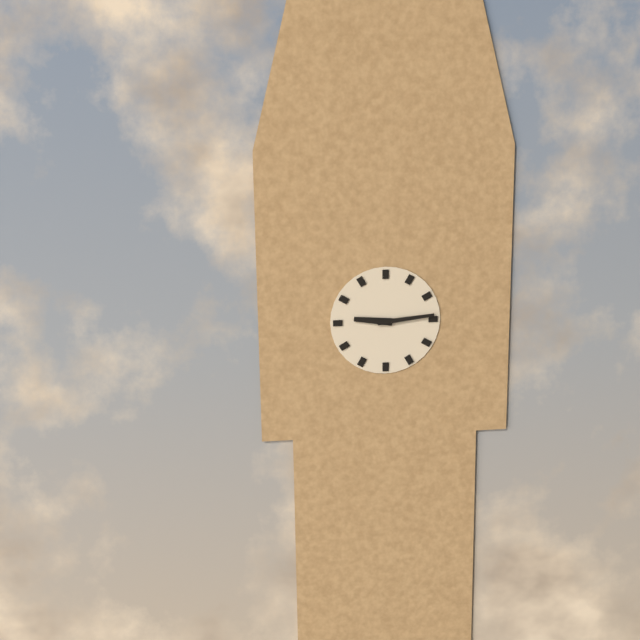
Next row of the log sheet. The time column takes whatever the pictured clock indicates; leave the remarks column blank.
9:14
